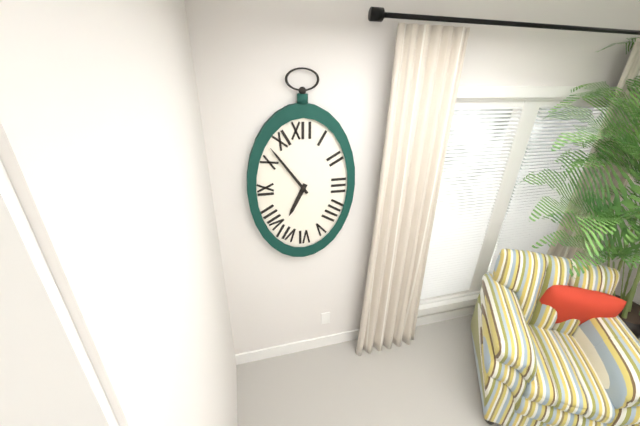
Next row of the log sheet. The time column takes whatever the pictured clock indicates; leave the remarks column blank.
6:54
